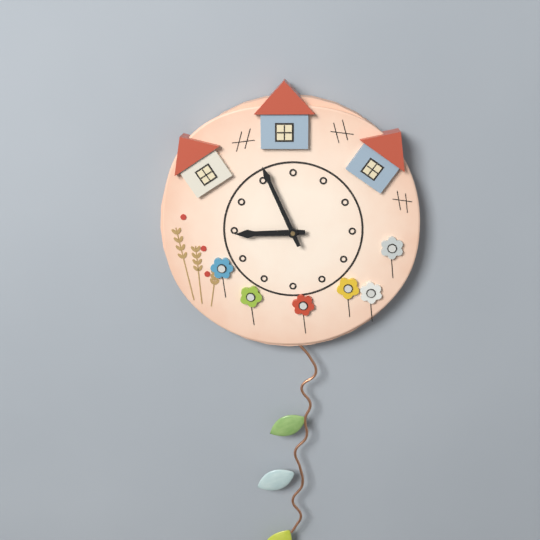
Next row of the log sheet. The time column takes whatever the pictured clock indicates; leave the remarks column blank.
8:56
